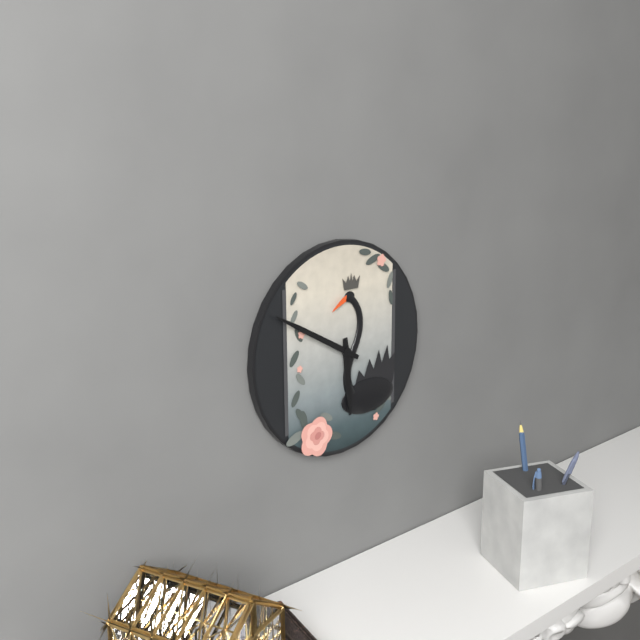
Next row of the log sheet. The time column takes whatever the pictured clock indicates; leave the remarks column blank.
5:50
